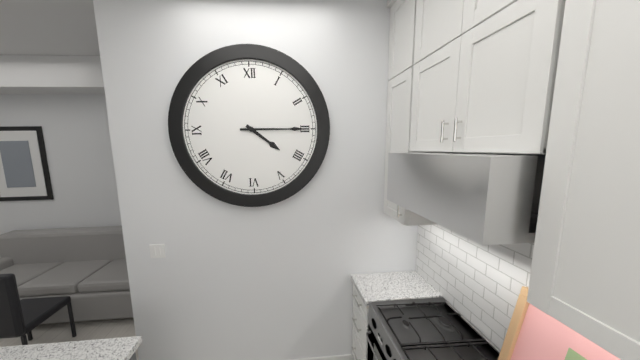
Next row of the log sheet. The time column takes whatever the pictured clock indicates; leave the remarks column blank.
4:15
